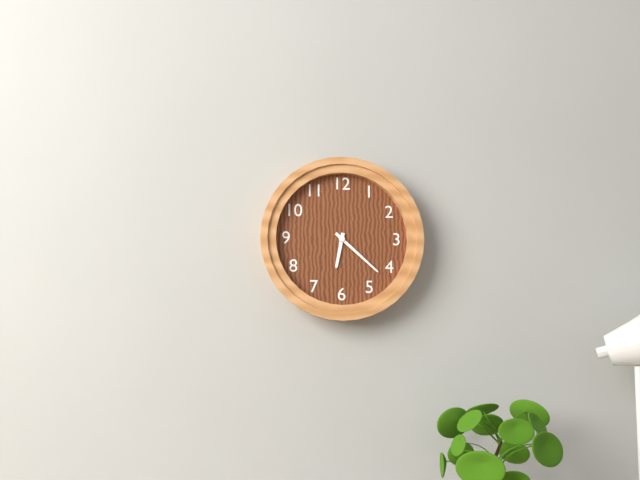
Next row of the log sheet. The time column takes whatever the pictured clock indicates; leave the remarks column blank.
6:22
